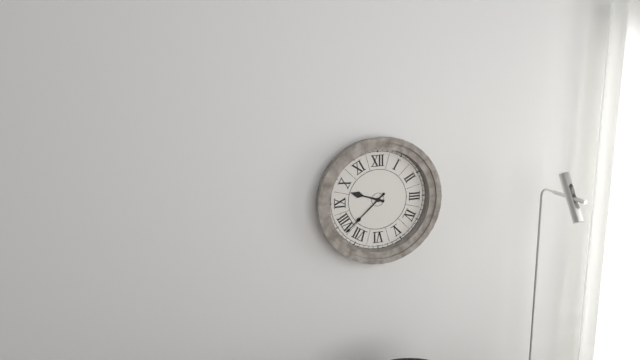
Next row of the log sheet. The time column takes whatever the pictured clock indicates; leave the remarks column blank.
9:38
